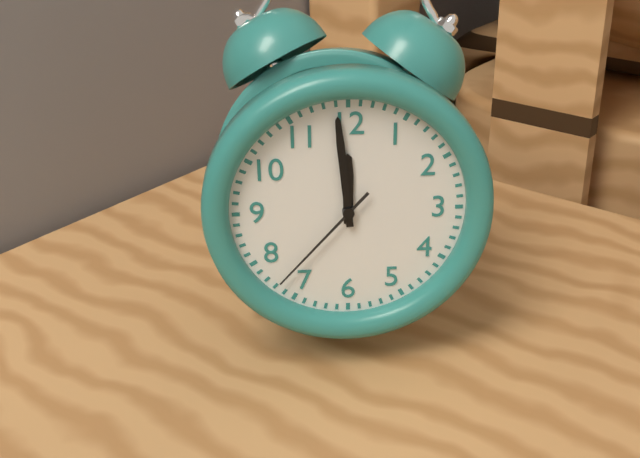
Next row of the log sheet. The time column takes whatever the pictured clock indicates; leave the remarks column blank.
11:59:37
